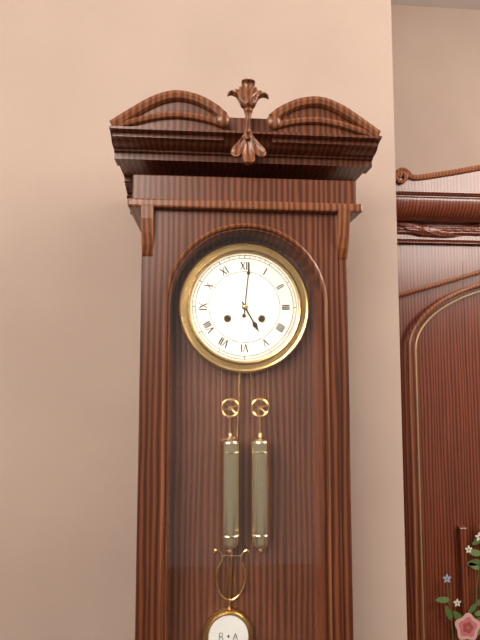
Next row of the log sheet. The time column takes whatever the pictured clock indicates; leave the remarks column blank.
5:01
